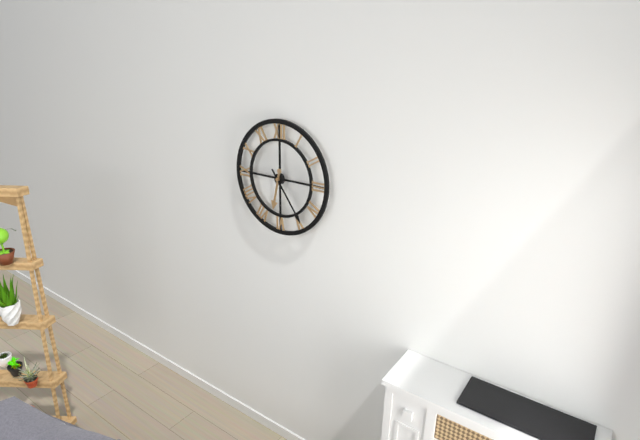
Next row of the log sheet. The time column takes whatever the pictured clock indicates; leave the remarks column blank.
6:24
